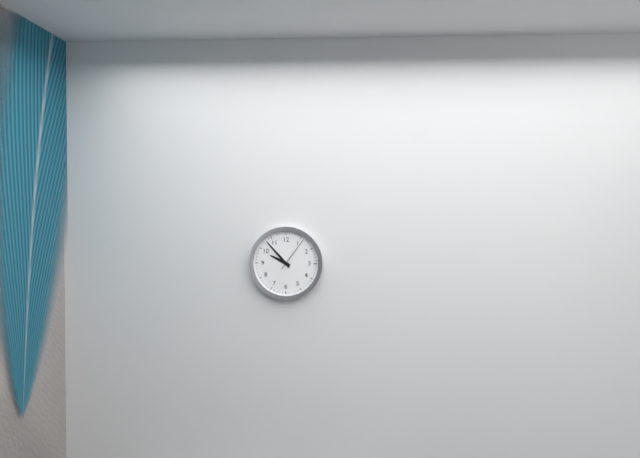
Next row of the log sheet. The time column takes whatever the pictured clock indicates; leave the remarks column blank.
9:53
